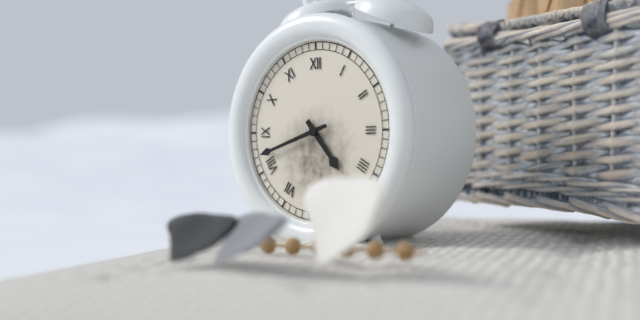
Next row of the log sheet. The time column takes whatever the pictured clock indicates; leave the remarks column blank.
4:42
